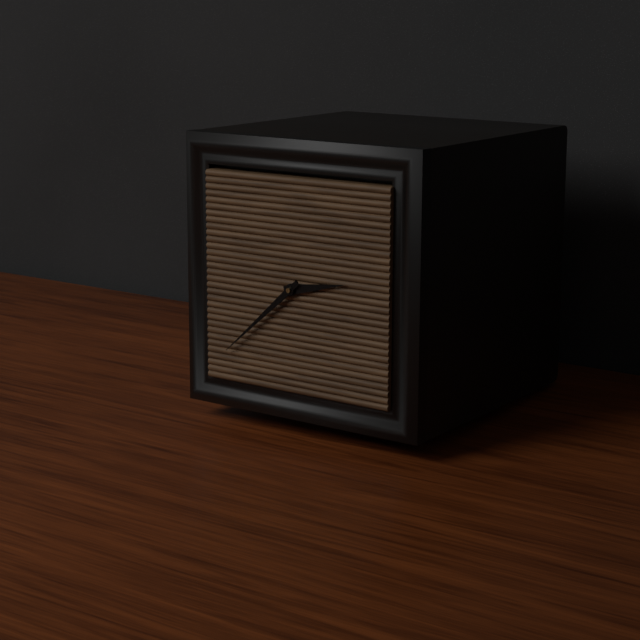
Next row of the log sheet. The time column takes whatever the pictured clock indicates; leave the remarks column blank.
2:38
